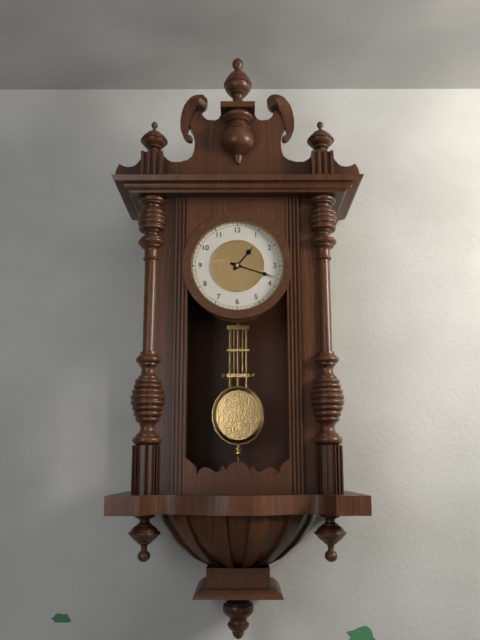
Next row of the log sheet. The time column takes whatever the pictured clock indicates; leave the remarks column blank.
1:18
